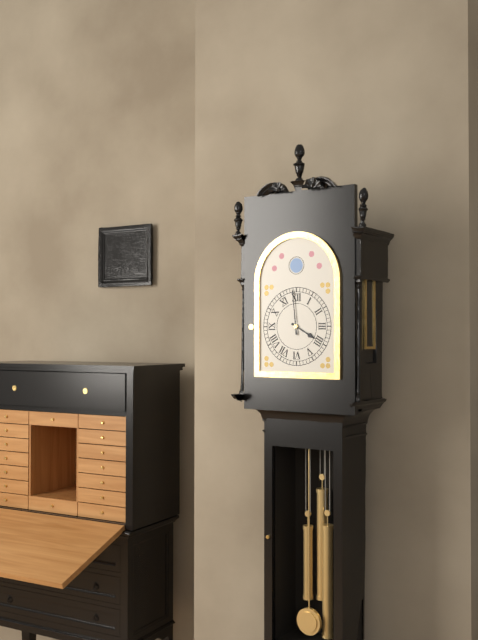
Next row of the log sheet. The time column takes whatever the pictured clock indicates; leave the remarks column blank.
3:59
